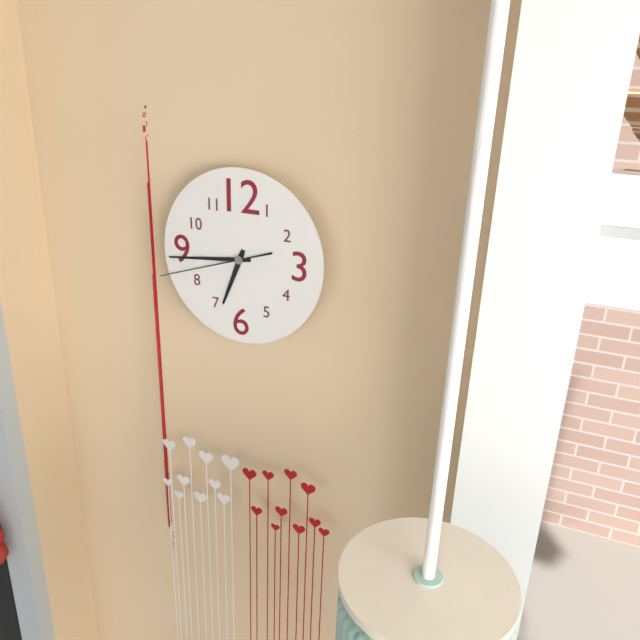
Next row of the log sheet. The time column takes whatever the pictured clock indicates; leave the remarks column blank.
6:44:42
